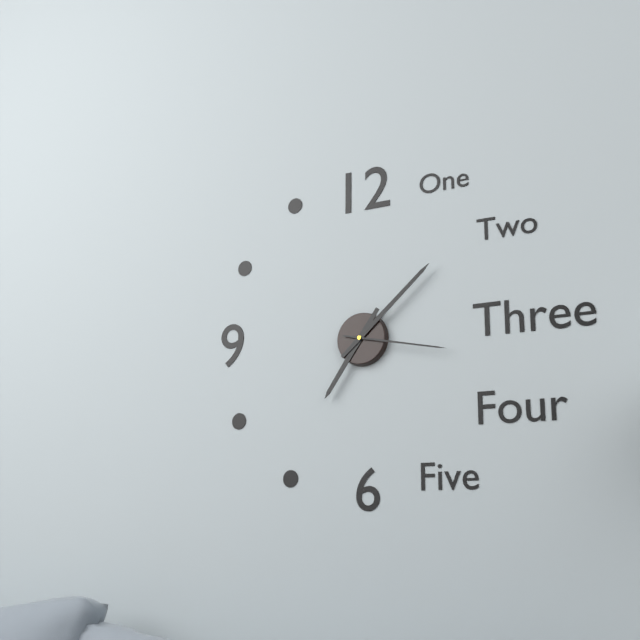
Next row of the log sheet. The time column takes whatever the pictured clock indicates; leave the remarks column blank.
7:08:17
